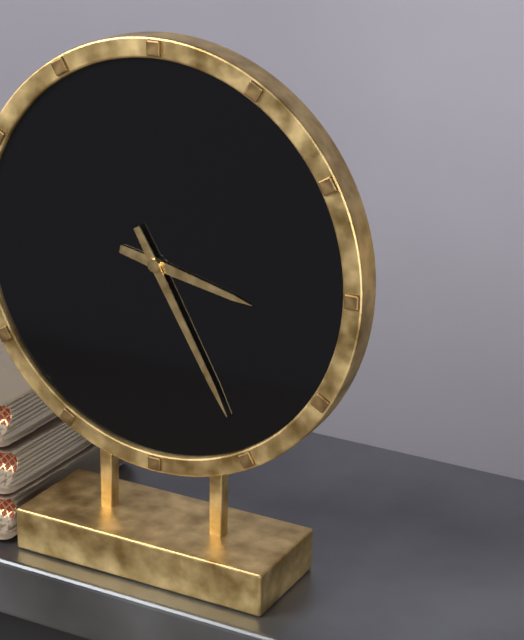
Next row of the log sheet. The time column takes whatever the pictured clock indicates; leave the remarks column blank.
3:25
